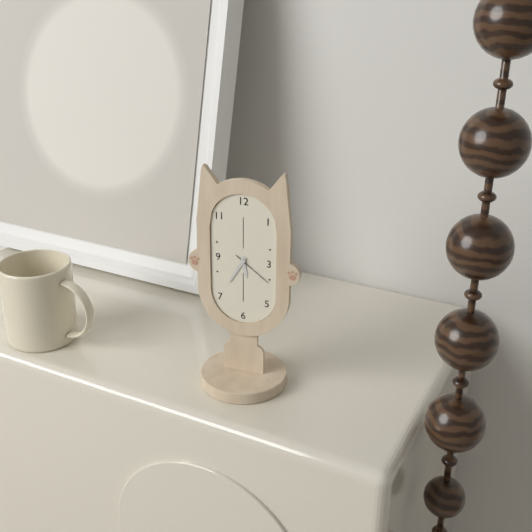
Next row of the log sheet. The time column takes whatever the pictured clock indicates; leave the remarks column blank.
5:35
